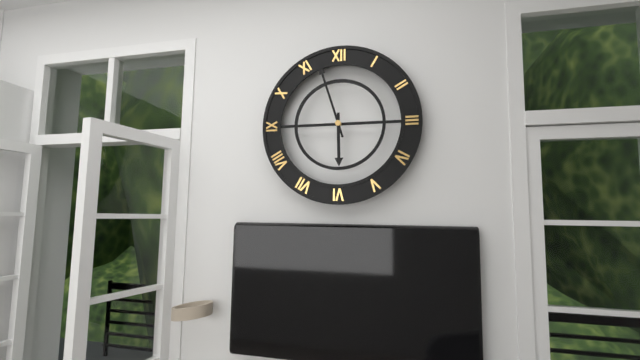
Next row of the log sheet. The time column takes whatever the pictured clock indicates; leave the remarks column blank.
5:57
